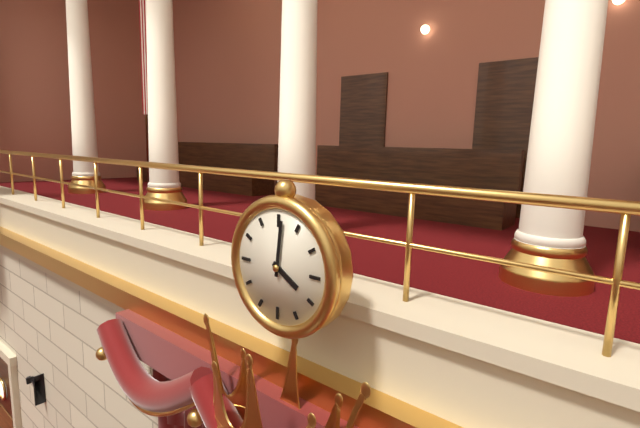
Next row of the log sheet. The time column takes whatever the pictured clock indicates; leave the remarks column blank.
4:01
